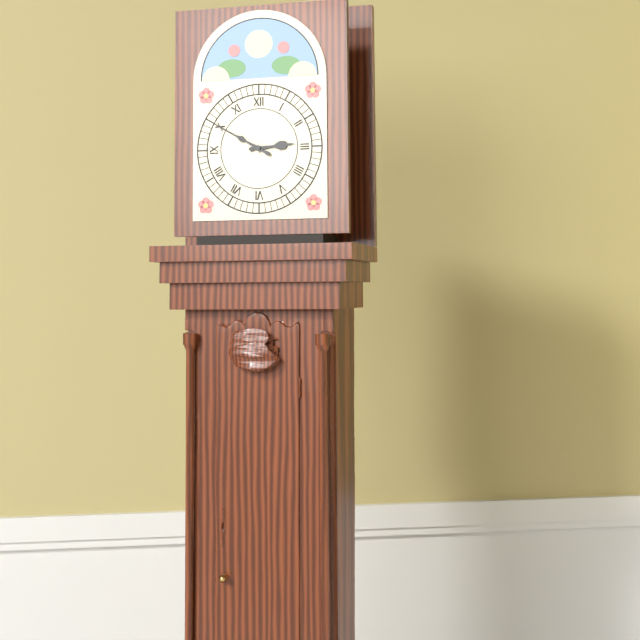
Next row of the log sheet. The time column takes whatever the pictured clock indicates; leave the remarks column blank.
2:50
